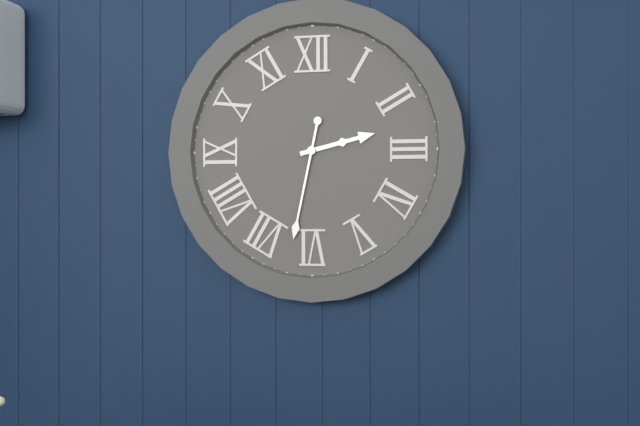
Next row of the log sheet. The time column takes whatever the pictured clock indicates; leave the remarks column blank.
2:32
